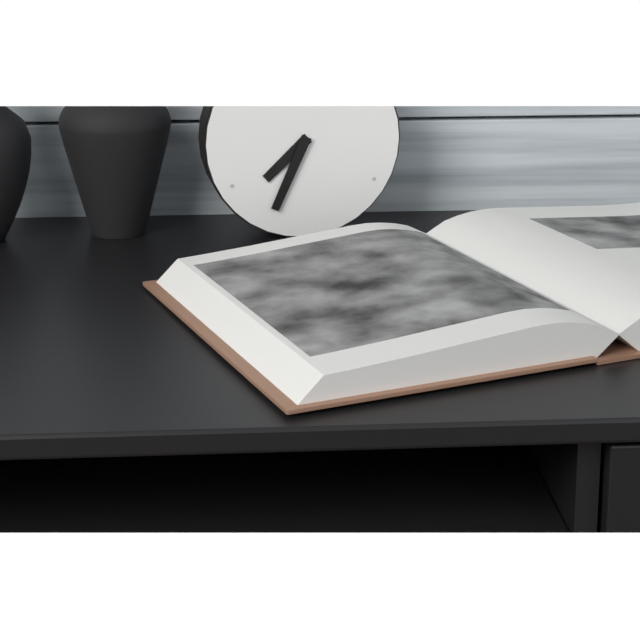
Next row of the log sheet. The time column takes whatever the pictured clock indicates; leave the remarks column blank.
7:34
